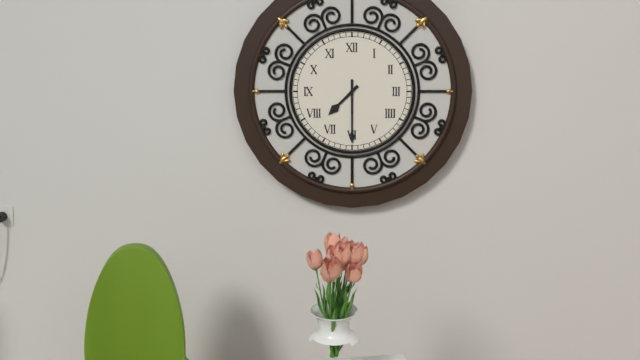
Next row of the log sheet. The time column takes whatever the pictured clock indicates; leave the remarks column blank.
7:30
